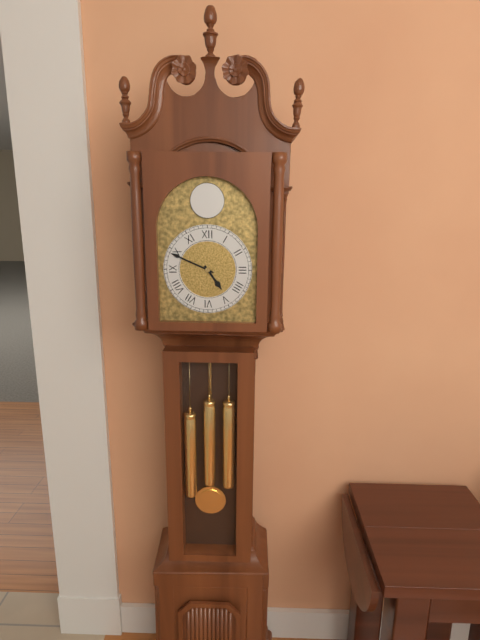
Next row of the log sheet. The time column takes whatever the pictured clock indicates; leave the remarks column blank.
4:49
